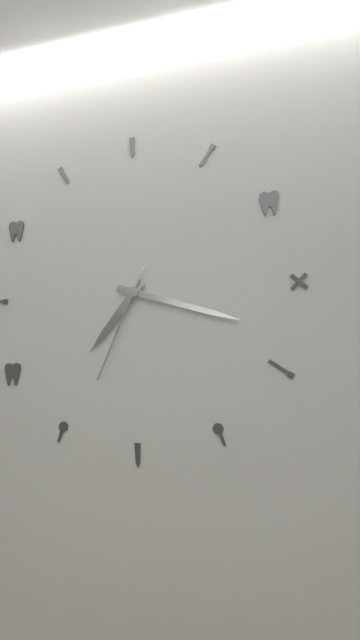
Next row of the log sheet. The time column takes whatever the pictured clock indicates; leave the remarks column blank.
7:18:34
